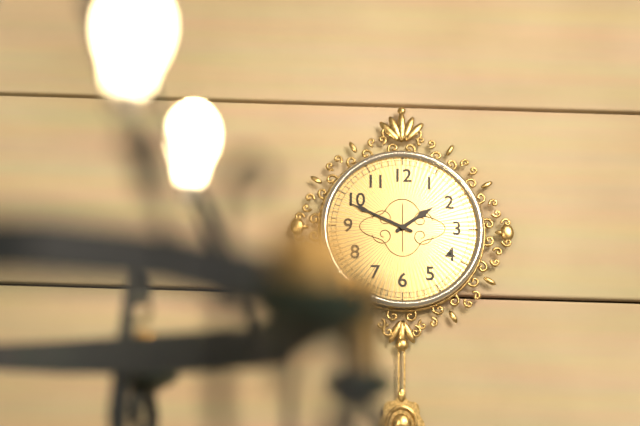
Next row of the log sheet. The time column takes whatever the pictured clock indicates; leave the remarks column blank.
1:49
